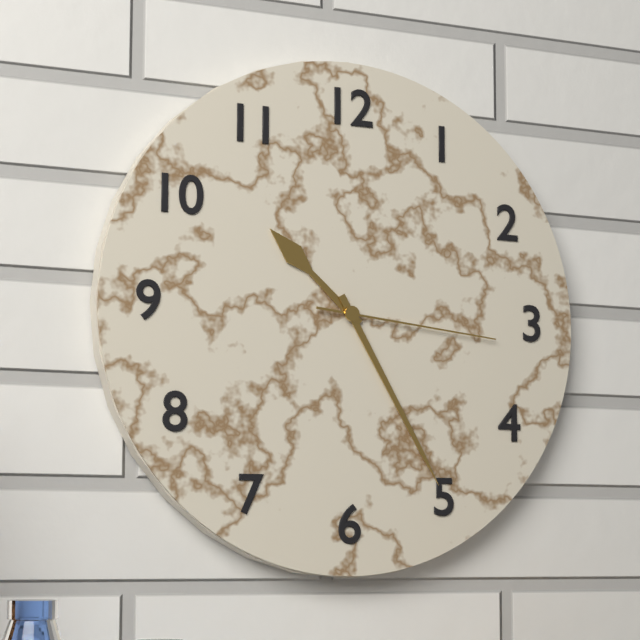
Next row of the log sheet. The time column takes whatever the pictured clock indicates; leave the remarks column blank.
10:25:16
